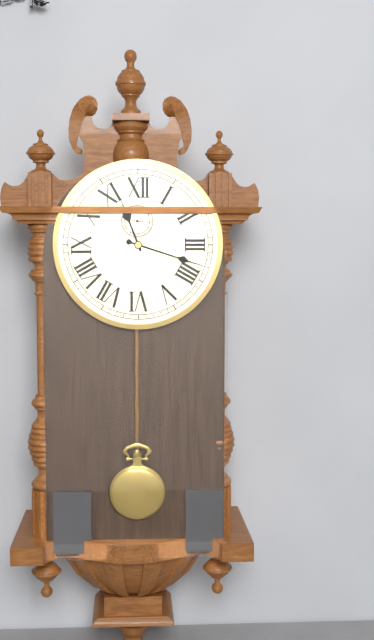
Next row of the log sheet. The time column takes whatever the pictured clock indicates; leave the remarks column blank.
11:18
